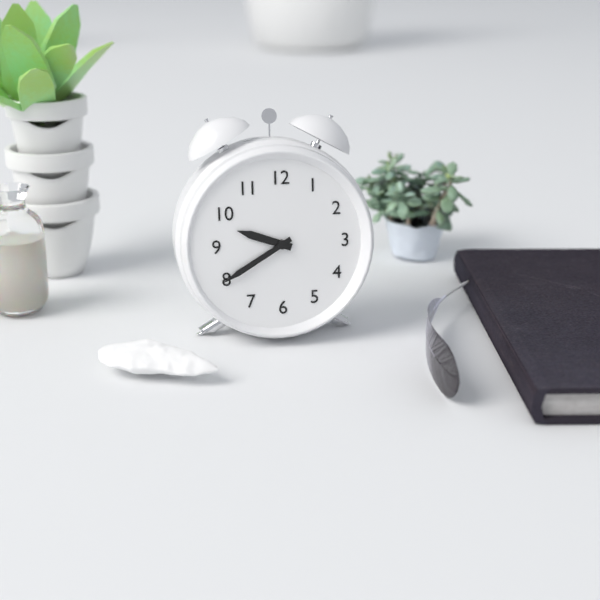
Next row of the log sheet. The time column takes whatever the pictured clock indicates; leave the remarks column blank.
9:40
